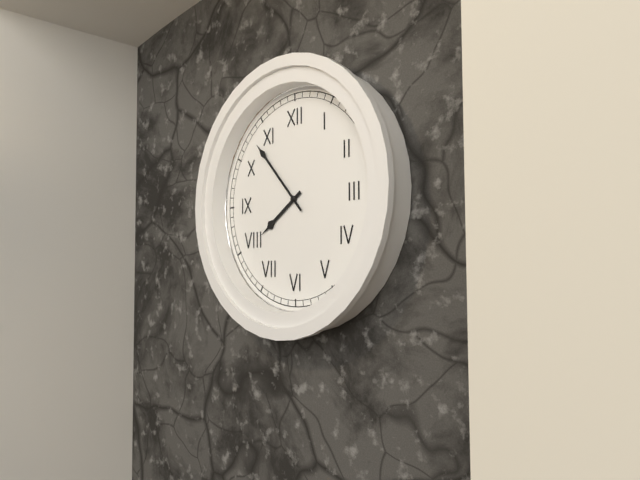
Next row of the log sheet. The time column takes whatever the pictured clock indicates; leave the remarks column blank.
7:53
